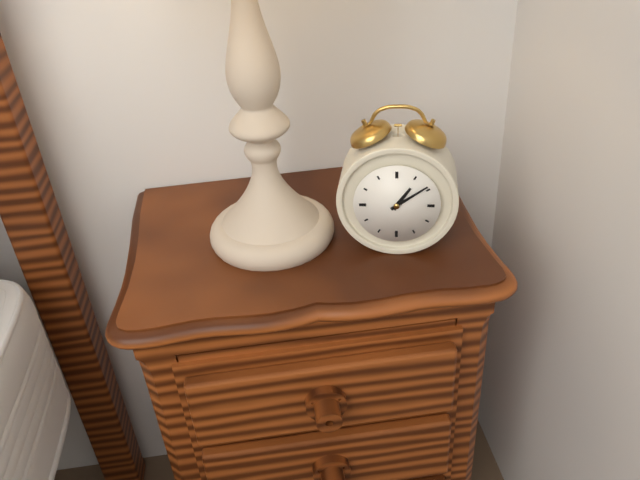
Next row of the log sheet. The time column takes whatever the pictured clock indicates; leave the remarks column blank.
1:09
